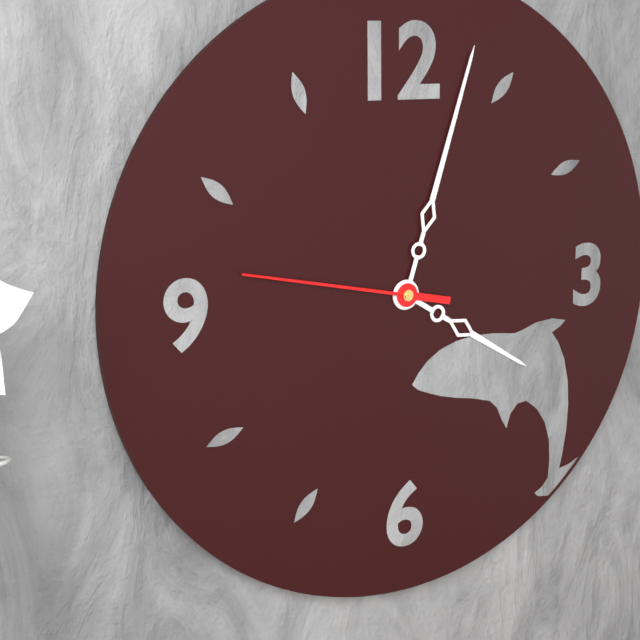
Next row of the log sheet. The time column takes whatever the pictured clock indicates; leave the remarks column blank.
4:03:47
